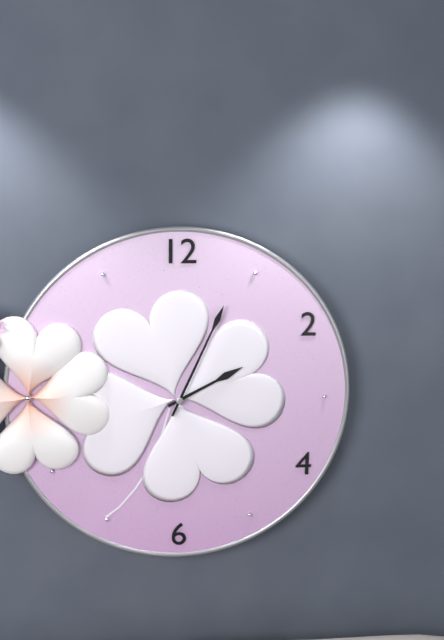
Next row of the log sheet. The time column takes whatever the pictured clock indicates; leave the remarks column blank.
2:04
